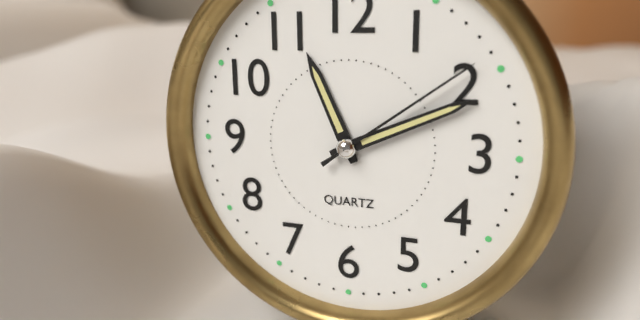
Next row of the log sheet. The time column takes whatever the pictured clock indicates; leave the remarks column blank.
11:11:09
